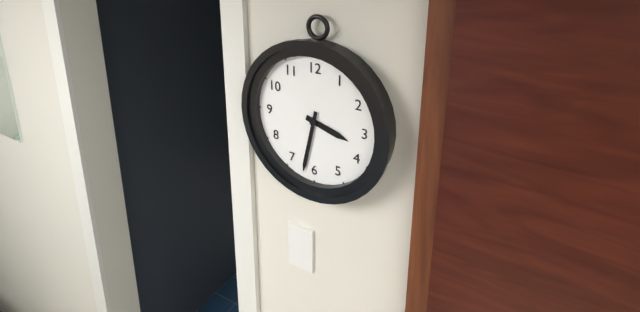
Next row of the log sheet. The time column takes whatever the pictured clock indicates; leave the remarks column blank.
3:32
